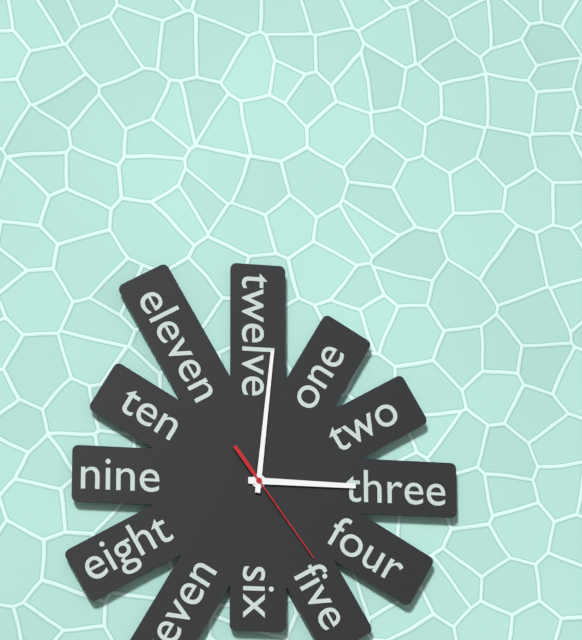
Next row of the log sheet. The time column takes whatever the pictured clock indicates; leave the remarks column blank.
3:01:24
